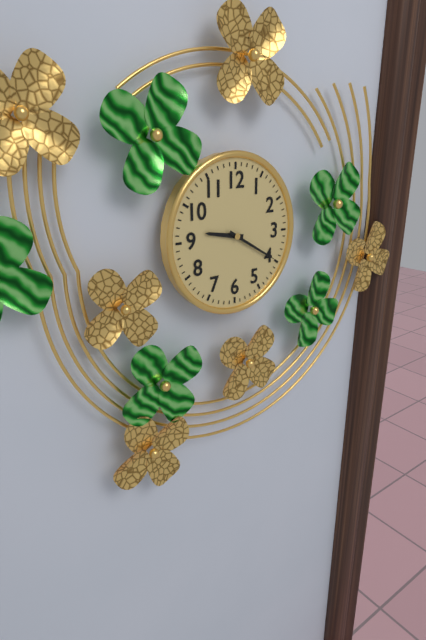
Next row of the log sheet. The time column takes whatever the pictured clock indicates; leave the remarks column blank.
9:20
